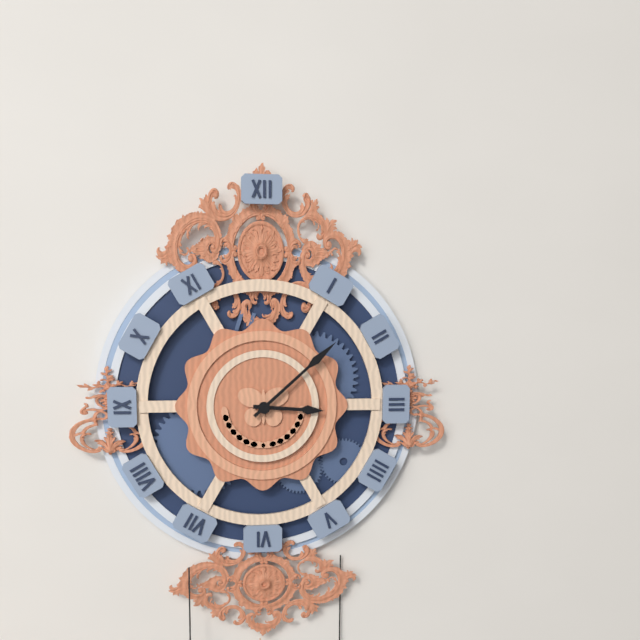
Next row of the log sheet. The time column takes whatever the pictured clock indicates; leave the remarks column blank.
3:08
